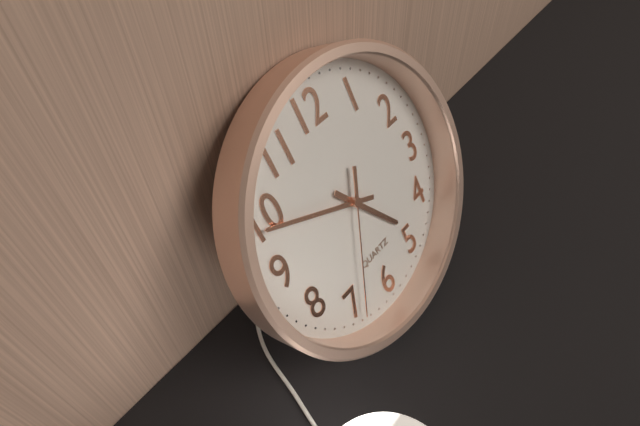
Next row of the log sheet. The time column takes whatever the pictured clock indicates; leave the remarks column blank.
4:49:34
